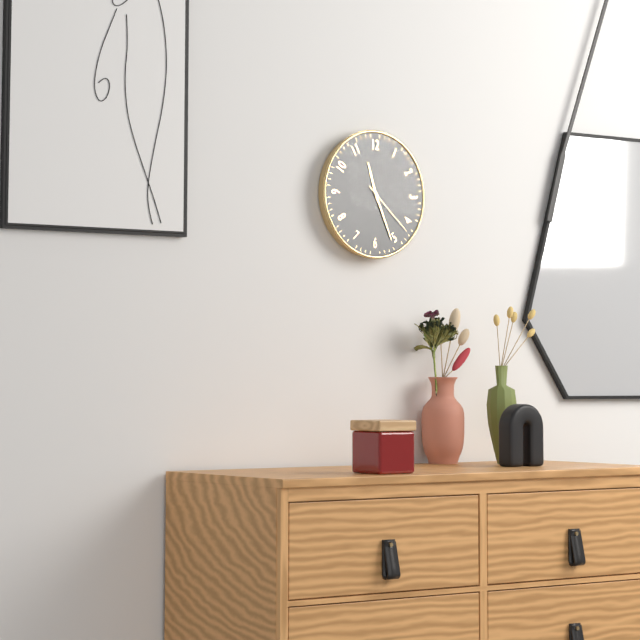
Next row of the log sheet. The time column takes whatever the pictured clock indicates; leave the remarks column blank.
11:26:22
